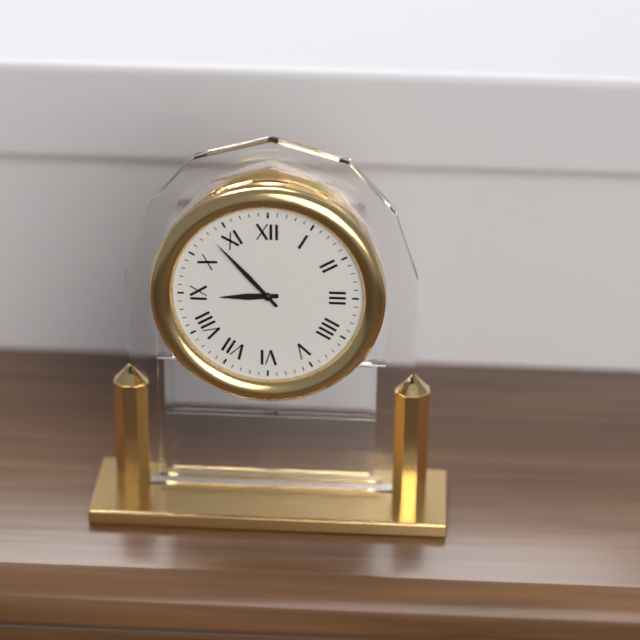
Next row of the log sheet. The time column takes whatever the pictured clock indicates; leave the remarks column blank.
8:53
